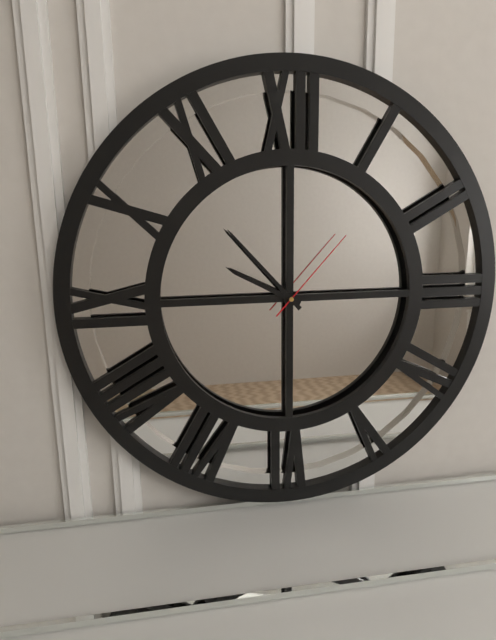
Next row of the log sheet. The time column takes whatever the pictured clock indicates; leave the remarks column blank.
9:53:07
